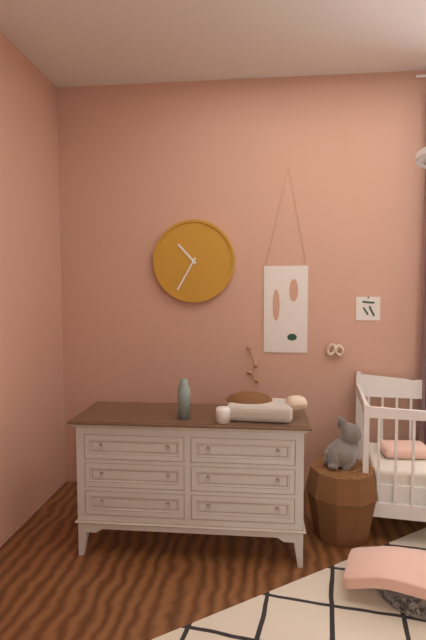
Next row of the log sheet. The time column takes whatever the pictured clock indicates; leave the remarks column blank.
10:35
